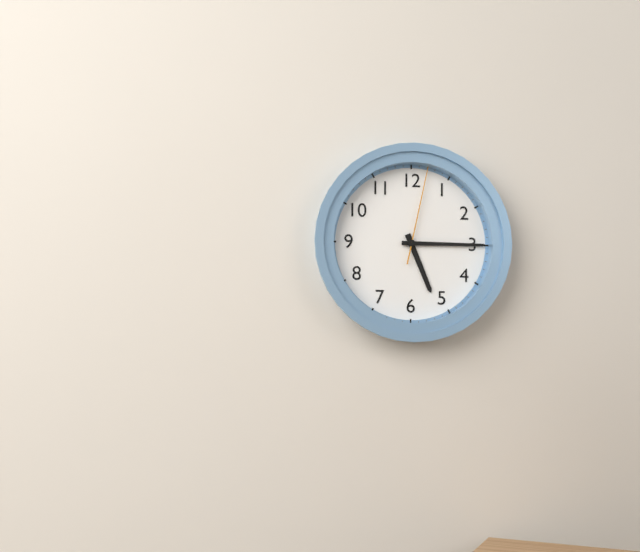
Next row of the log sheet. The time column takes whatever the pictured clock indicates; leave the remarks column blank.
5:15:02
